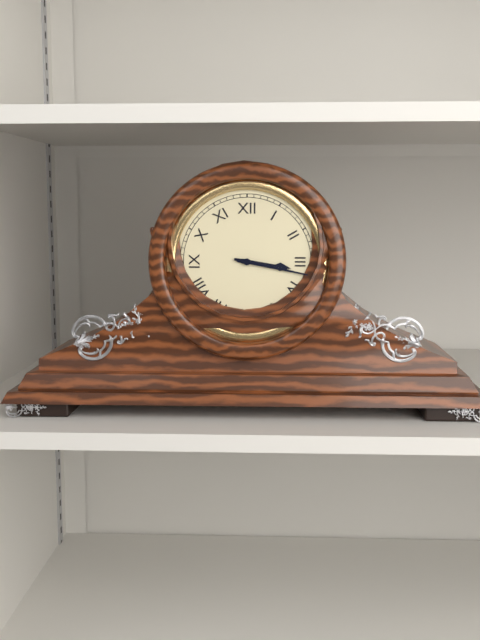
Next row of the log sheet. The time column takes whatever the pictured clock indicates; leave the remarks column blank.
3:17
